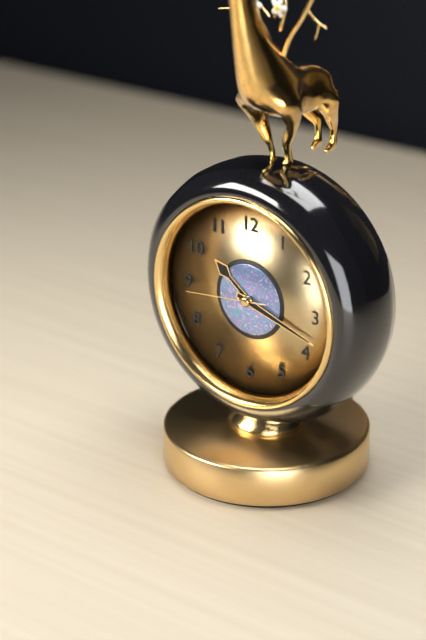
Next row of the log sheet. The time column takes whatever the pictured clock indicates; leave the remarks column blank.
10:18:44
